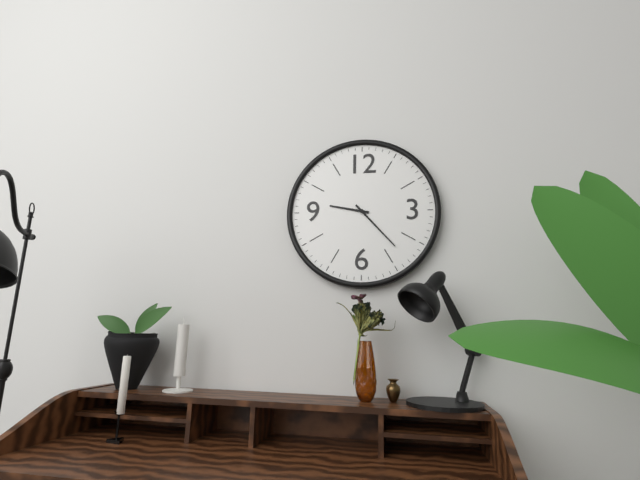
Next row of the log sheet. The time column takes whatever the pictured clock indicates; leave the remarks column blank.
9:23
